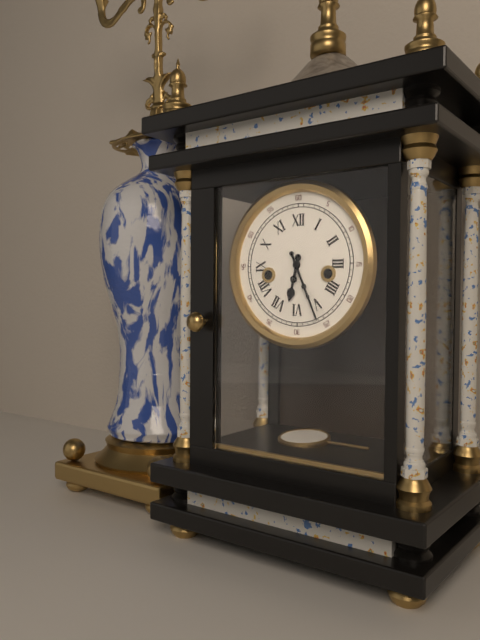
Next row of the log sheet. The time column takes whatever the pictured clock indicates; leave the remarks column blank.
6:26
